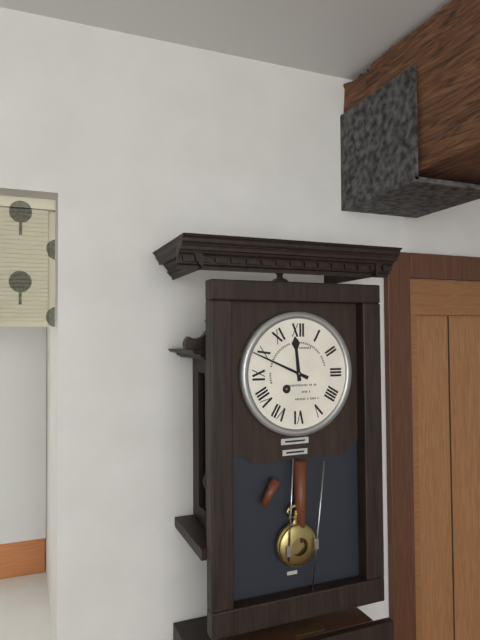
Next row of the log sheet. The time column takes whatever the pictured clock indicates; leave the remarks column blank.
11:49
